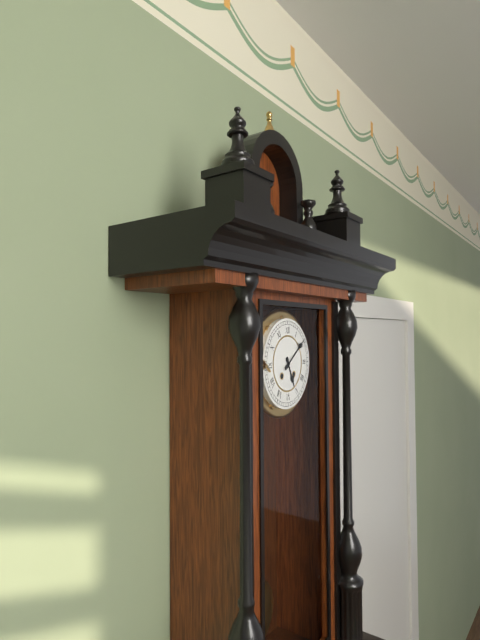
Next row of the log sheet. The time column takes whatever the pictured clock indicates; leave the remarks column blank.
5:09
